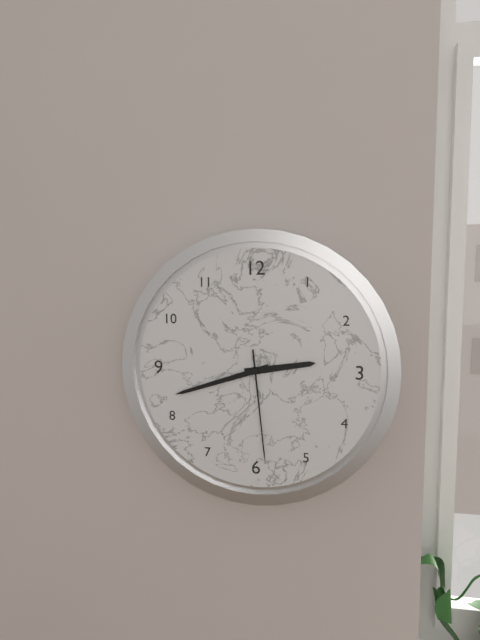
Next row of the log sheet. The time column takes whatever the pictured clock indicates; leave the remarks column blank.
2:42:29
